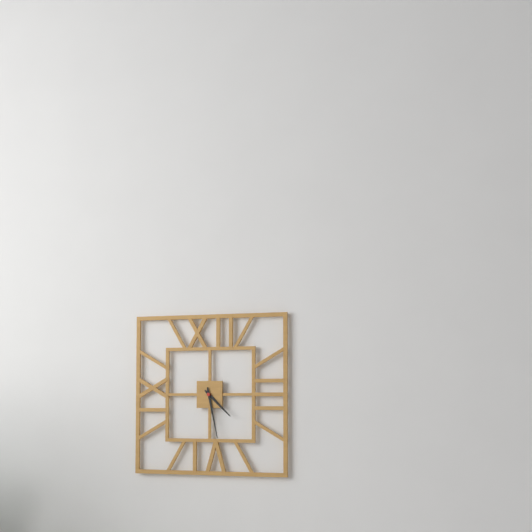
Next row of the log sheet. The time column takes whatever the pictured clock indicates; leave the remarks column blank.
4:28
